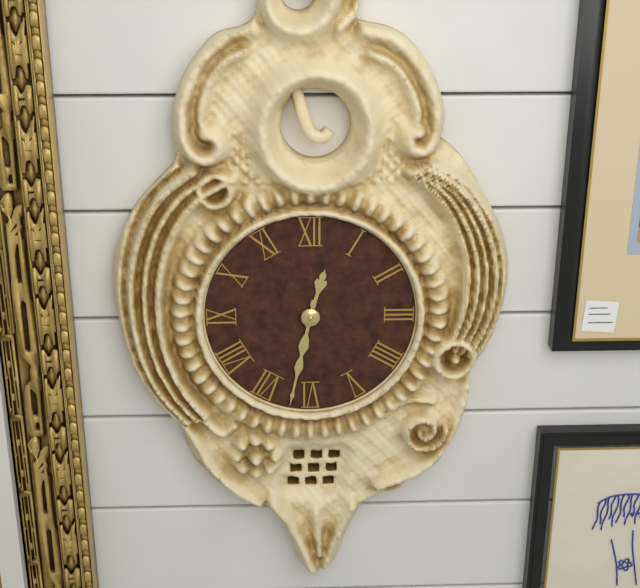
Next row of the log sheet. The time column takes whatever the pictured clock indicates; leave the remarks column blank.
12:32
